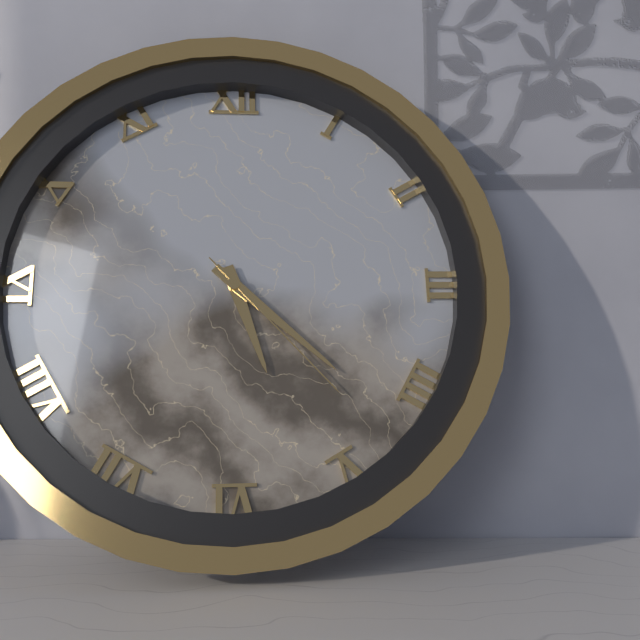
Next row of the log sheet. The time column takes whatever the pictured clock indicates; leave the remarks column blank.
5:22:23
